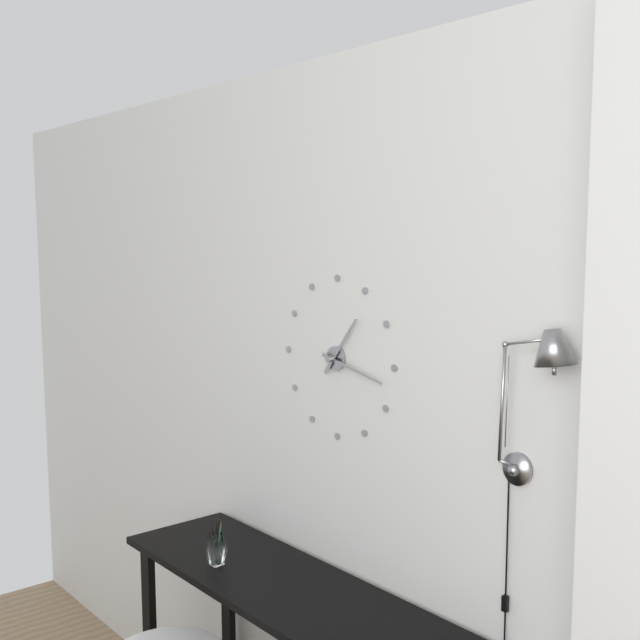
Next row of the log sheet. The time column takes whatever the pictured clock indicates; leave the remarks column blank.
1:17
